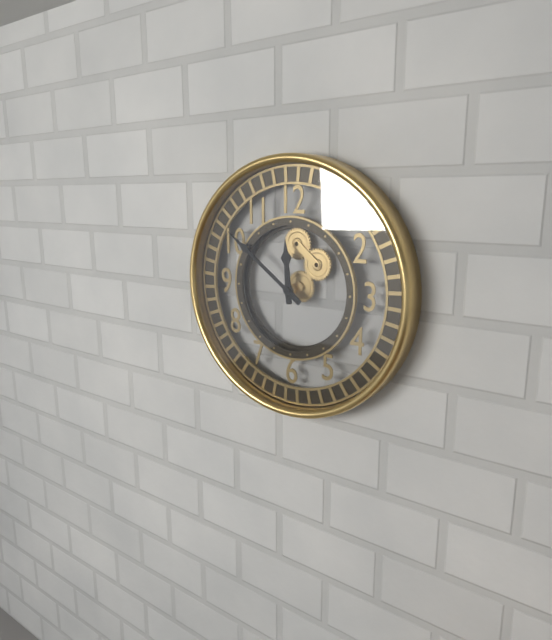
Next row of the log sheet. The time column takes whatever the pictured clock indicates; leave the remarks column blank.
11:51
